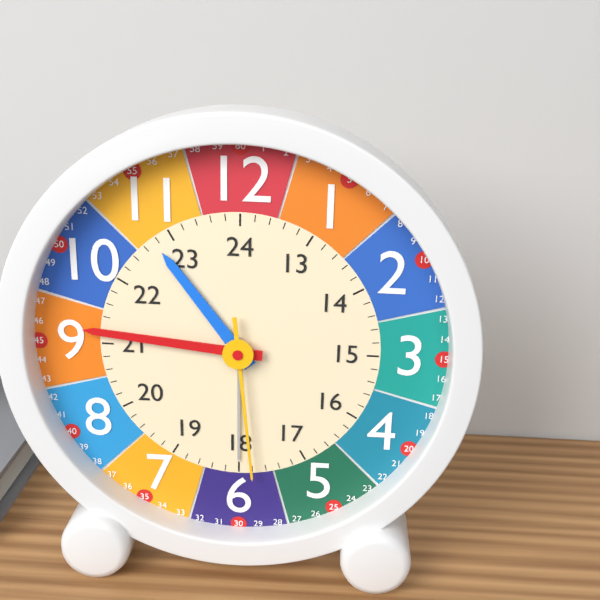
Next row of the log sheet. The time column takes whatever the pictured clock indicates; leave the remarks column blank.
10:46:29
